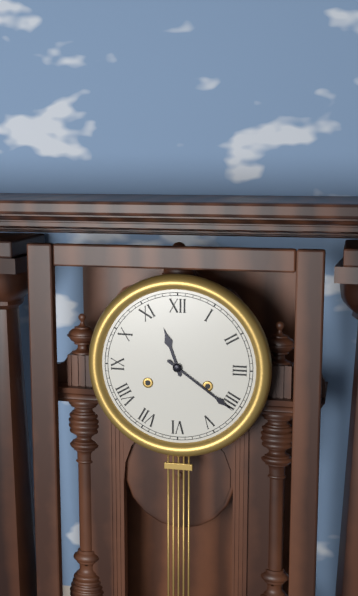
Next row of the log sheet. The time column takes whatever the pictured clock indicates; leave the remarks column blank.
11:21
